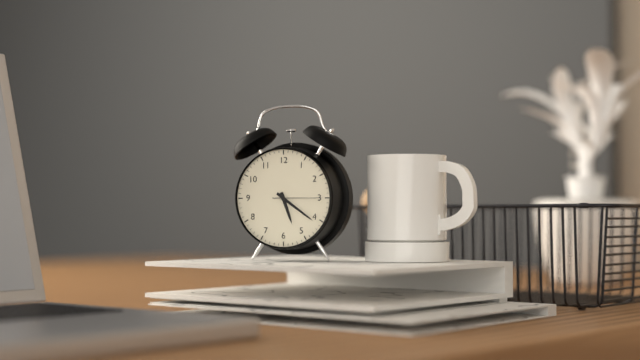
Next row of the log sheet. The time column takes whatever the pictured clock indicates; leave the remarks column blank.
5:21
